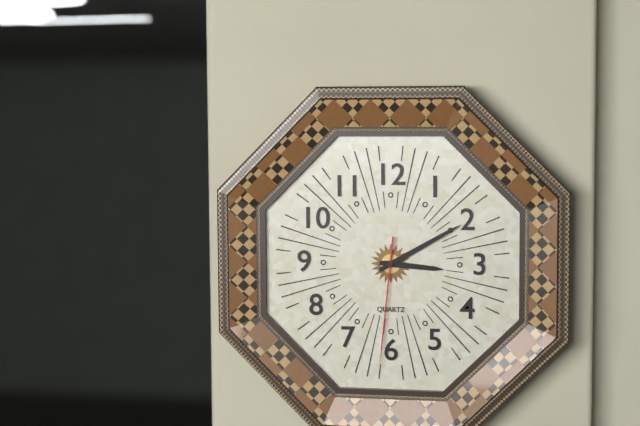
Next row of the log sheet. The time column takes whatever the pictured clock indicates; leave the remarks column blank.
3:10:31
